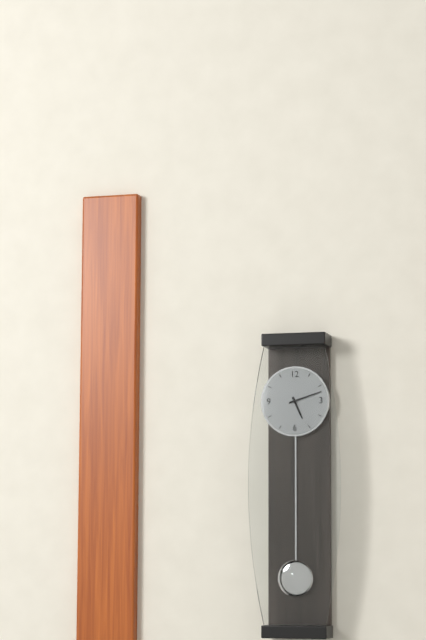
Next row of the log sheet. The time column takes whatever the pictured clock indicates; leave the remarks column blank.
5:12
